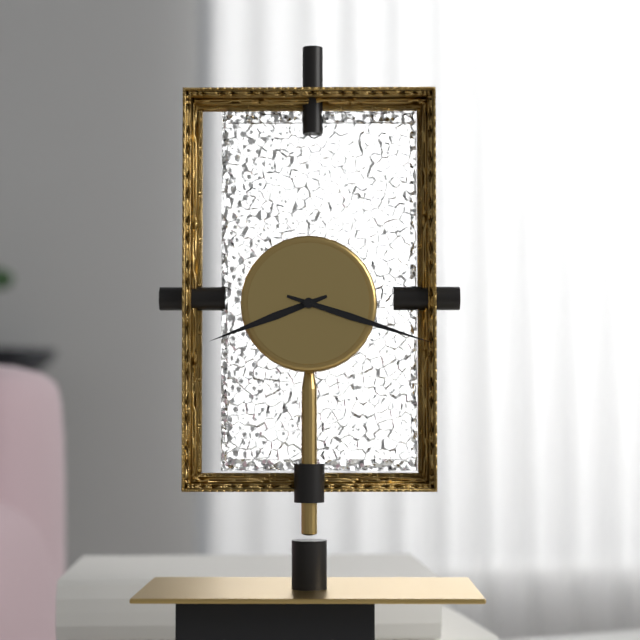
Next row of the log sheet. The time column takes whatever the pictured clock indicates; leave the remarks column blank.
8:18
